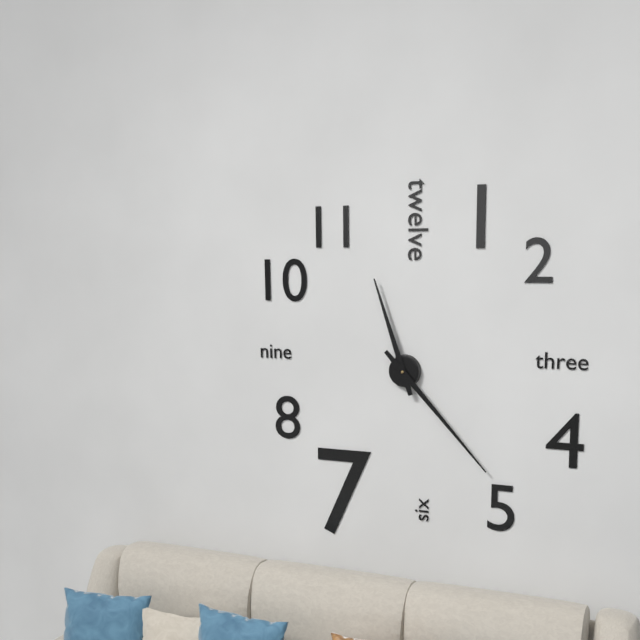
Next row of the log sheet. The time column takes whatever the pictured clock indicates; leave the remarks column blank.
11:23
